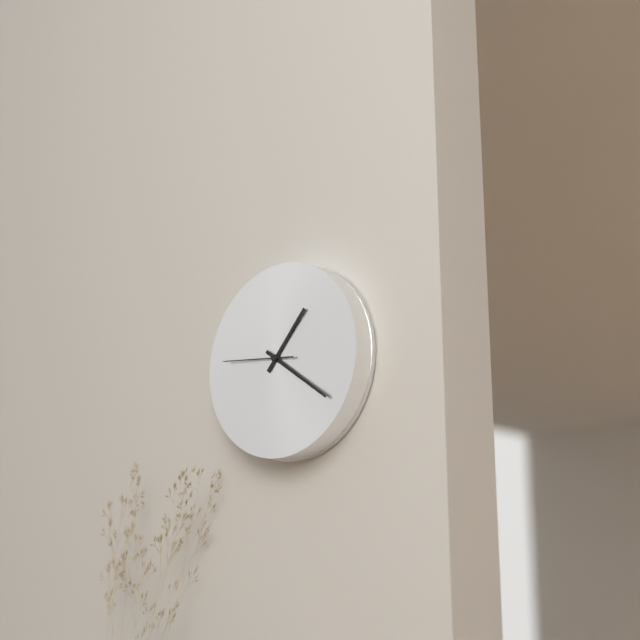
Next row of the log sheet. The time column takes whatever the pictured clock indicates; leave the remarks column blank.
1:21:46
